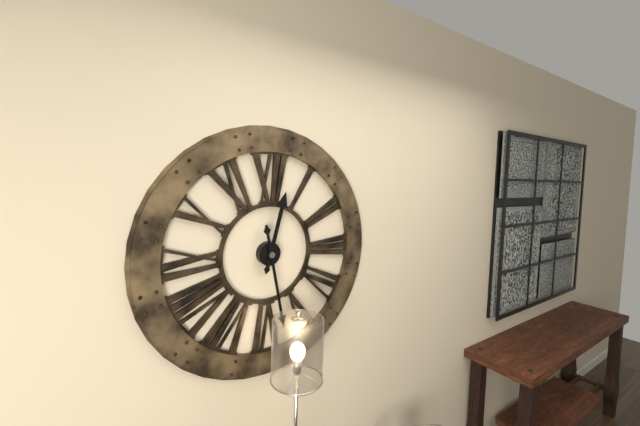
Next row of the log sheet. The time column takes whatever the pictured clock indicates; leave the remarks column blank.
12:28
